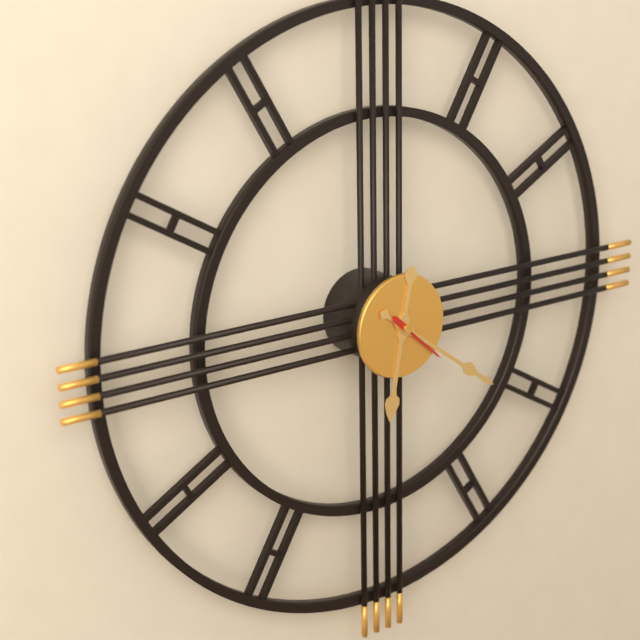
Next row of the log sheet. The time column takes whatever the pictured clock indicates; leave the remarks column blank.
6:21:22
